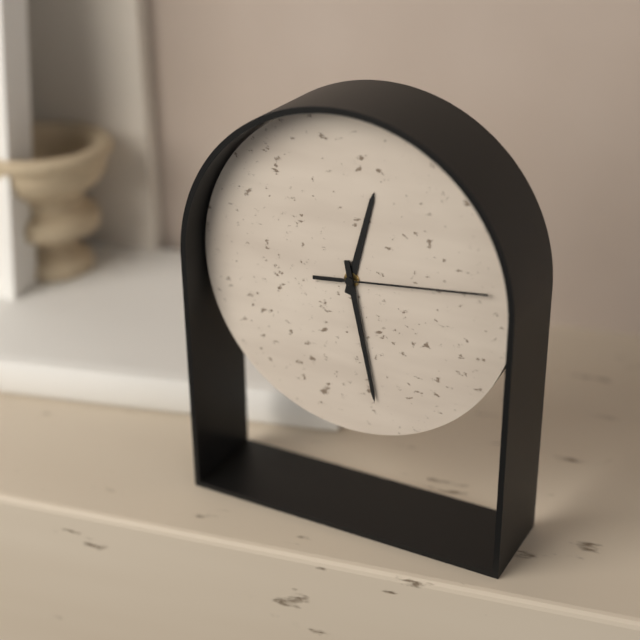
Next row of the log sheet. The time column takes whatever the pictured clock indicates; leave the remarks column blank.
12:28:14
